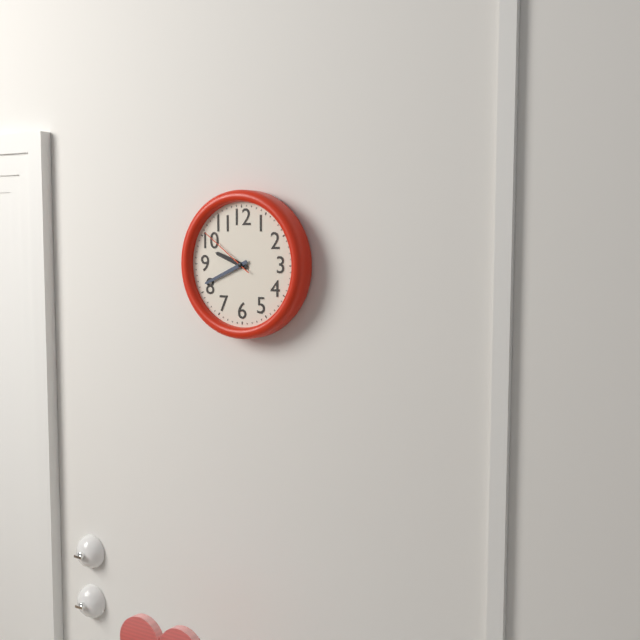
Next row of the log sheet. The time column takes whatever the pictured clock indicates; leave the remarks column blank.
9:41:51
